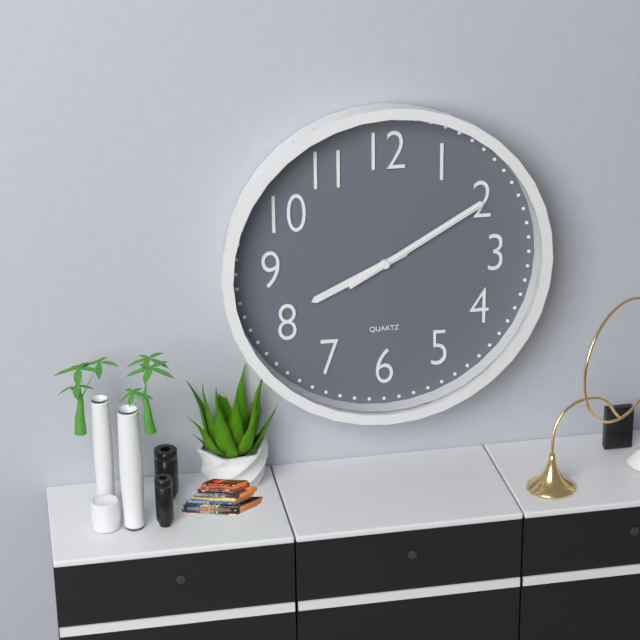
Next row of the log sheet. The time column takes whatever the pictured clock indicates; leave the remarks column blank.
8:10:10
